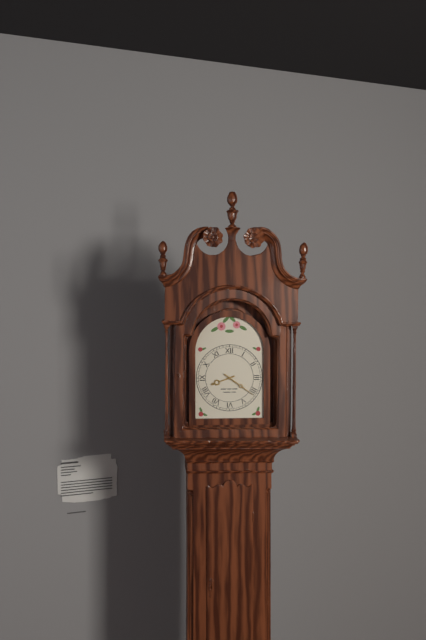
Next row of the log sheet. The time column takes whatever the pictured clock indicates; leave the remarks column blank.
8:21
